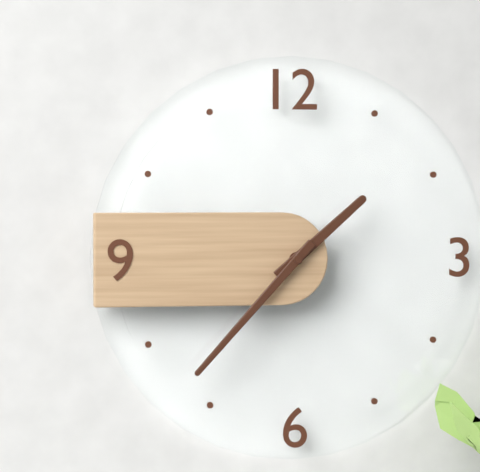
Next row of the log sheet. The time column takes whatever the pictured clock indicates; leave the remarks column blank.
1:37
